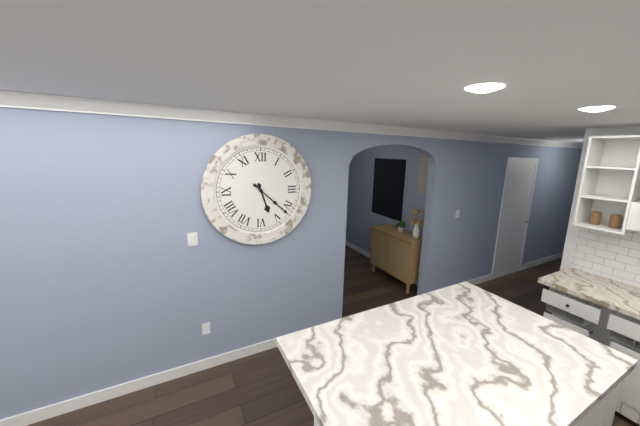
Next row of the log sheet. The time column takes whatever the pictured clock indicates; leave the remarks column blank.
5:22
